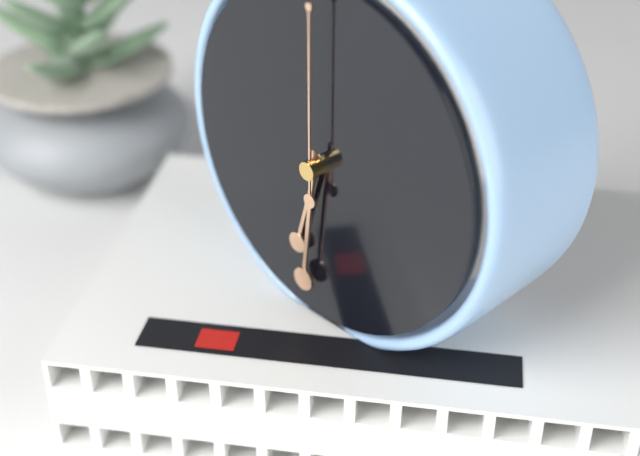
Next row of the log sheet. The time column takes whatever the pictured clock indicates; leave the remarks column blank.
6:31:00
